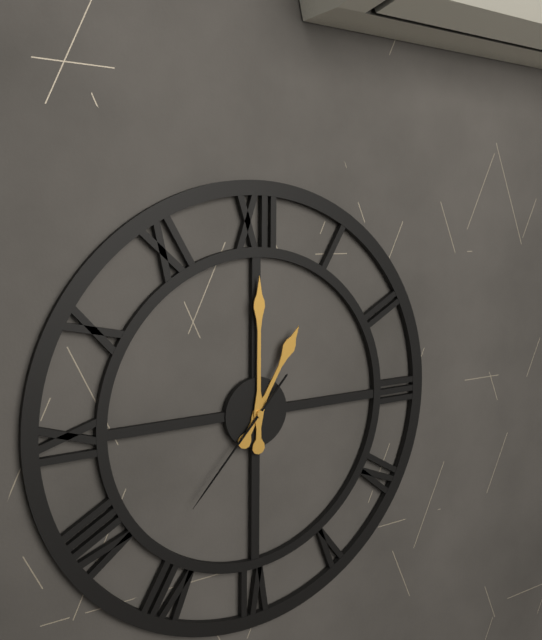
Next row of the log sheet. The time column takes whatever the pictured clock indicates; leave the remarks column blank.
1:00:37
